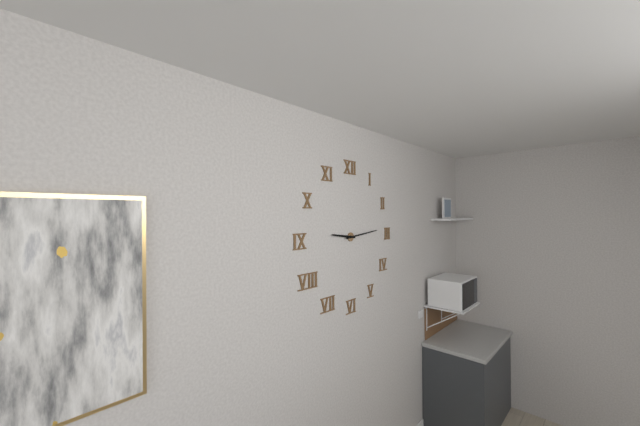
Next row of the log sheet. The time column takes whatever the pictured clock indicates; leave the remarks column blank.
9:14
